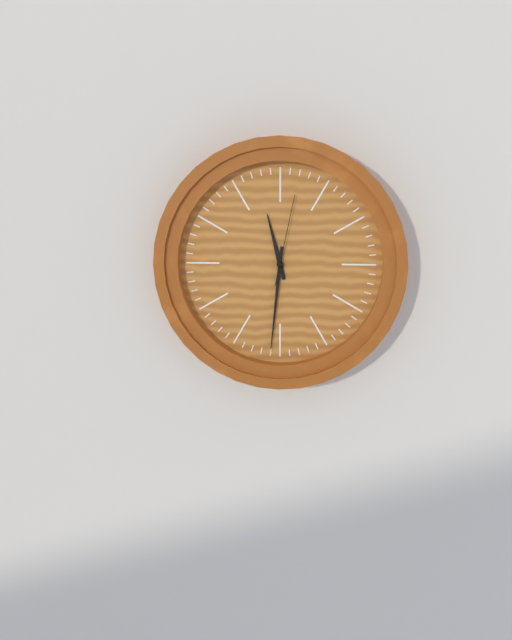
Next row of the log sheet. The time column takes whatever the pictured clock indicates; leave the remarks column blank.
11:31:02
